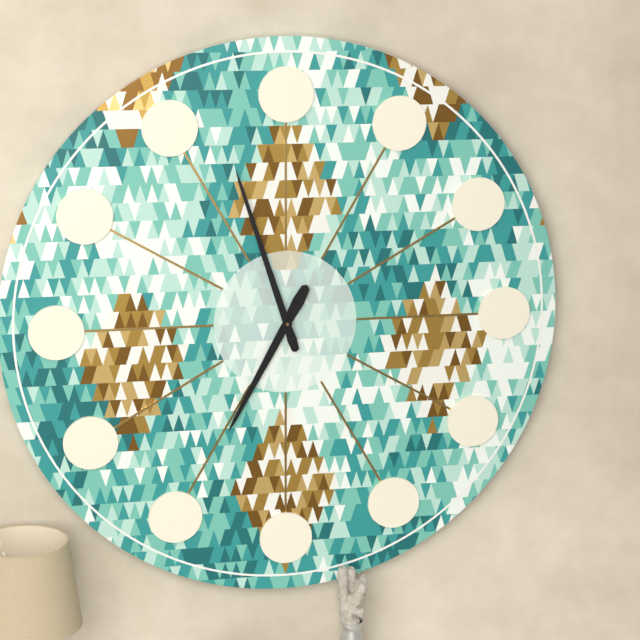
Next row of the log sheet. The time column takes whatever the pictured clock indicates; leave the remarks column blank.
6:57
